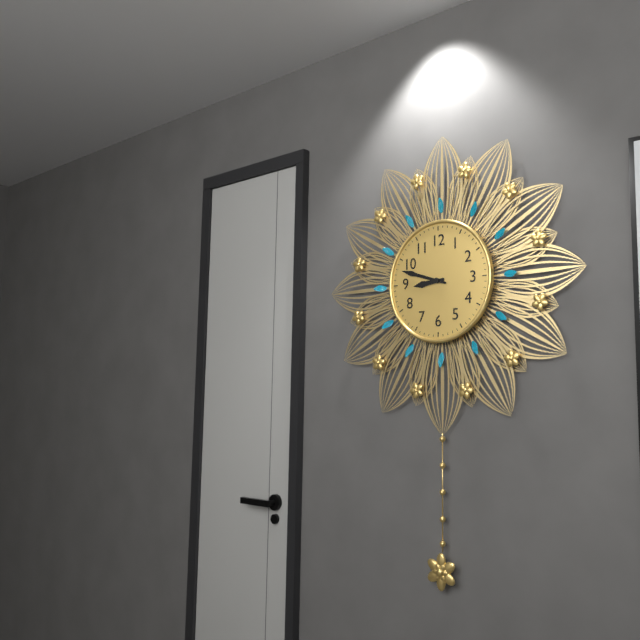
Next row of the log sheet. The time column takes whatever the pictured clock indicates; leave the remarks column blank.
8:48
